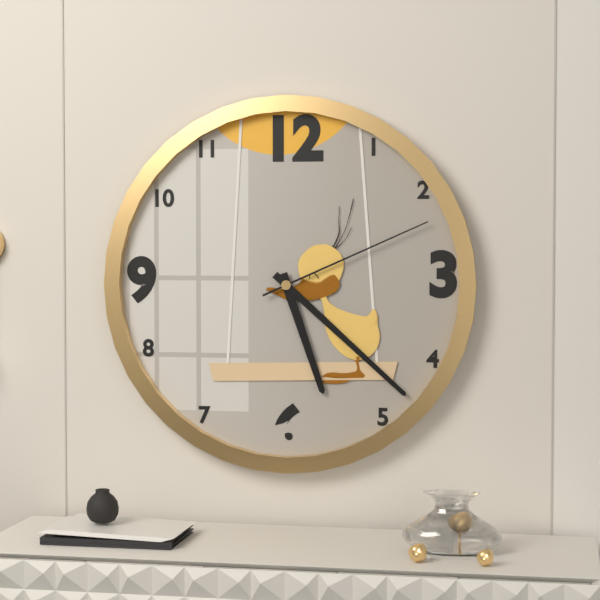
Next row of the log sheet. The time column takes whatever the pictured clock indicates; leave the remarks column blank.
5:22:11
